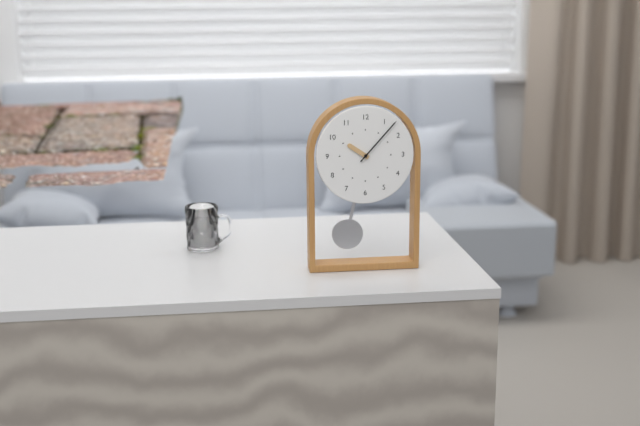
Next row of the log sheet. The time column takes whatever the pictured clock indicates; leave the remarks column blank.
10:07
